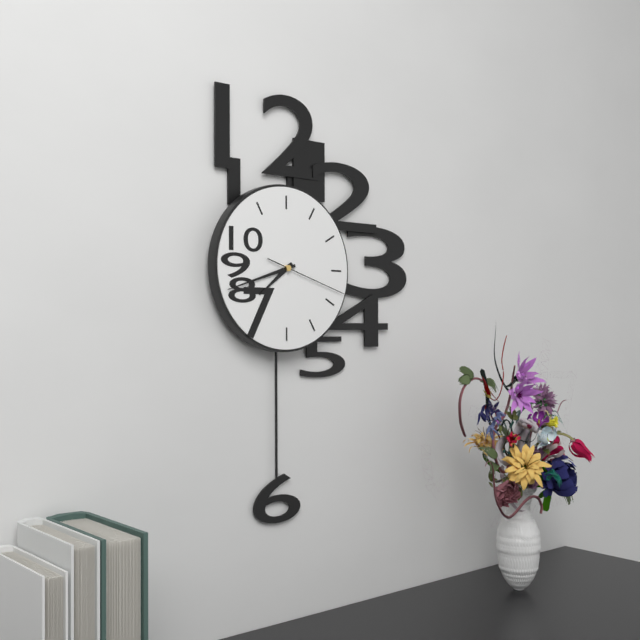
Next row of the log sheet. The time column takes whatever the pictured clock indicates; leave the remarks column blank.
7:42:18
